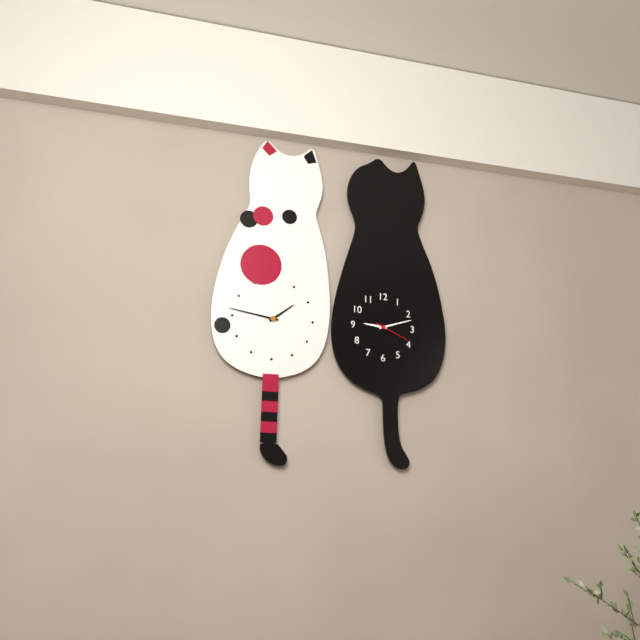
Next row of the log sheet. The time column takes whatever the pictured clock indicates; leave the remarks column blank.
9:12
